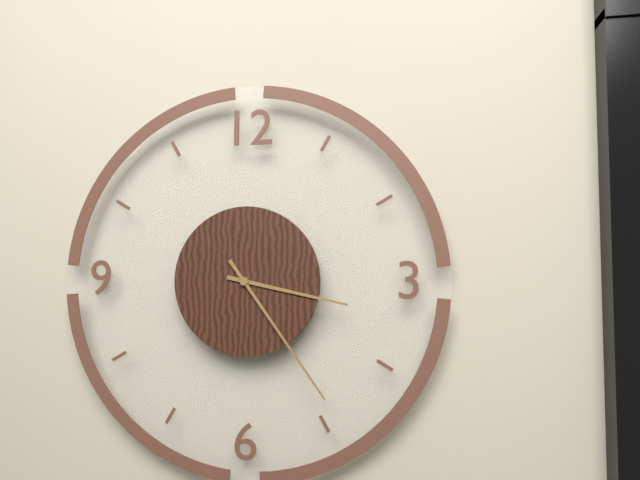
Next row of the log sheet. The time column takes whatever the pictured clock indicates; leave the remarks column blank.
3:24
